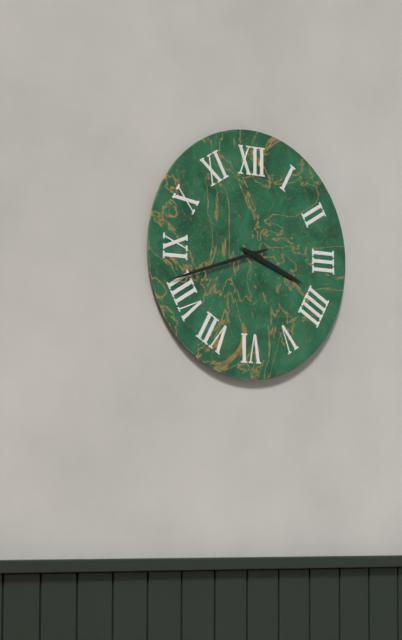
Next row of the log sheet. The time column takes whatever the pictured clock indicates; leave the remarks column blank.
3:42
